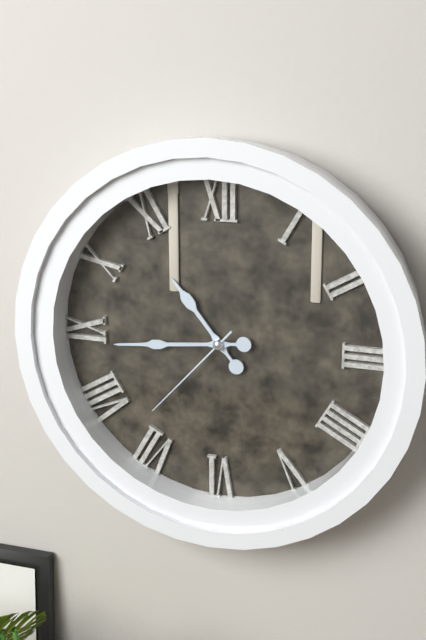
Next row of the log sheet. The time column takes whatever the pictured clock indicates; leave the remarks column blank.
10:44:37
